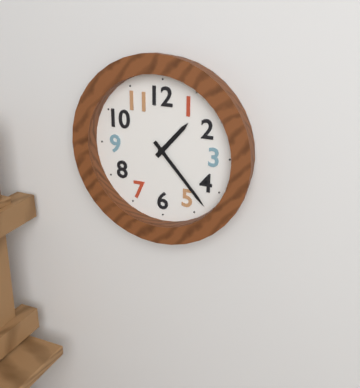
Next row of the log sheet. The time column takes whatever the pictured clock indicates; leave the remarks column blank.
1:23
